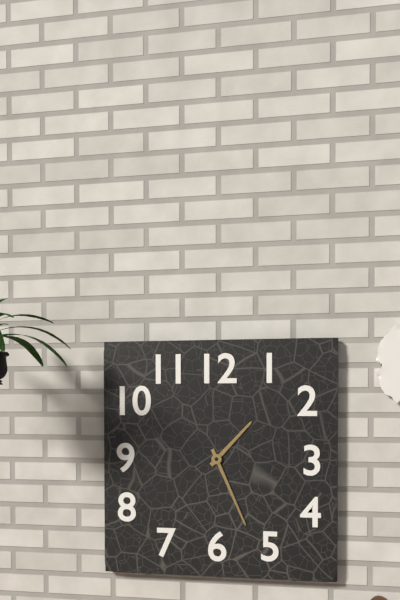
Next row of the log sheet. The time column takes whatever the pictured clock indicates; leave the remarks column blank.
1:26
